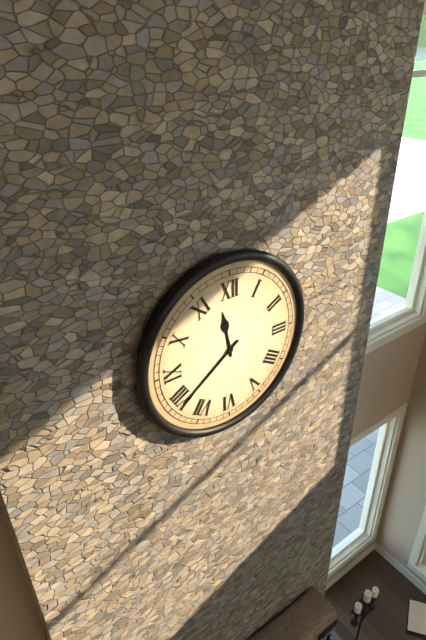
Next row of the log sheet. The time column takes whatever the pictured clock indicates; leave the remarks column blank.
11:39
